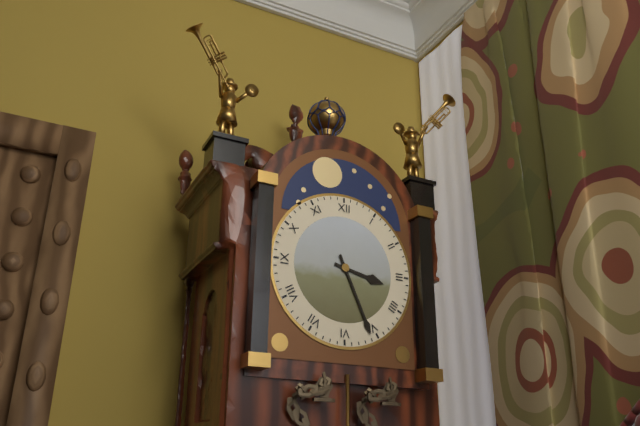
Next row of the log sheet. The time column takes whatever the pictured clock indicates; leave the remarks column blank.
3:26
